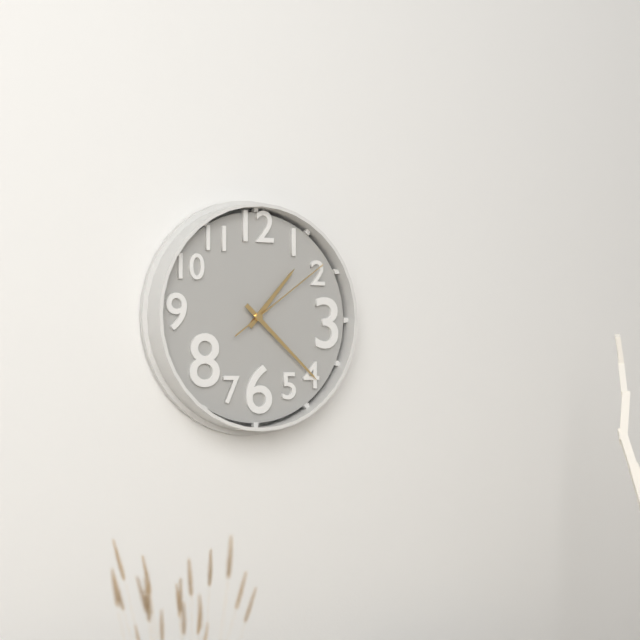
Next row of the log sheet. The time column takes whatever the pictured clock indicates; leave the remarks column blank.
1:22:09
